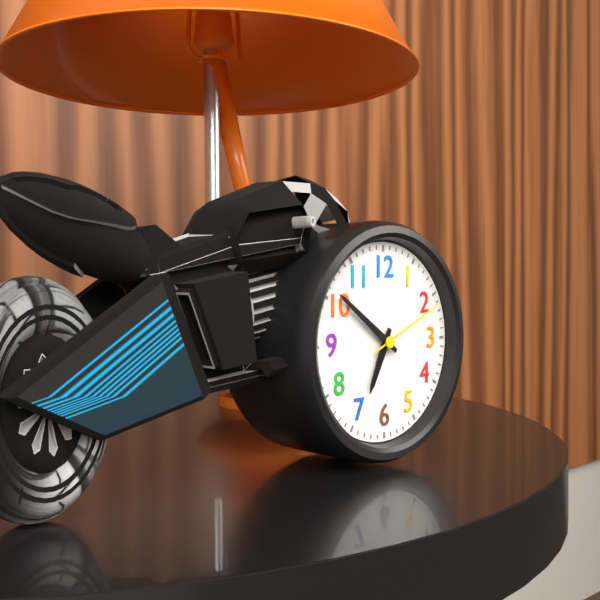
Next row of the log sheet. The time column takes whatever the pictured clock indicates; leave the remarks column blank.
6:51:11
